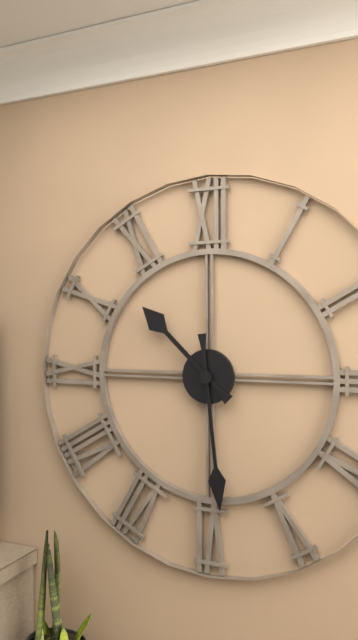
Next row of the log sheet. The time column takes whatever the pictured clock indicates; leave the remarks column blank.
10:29
